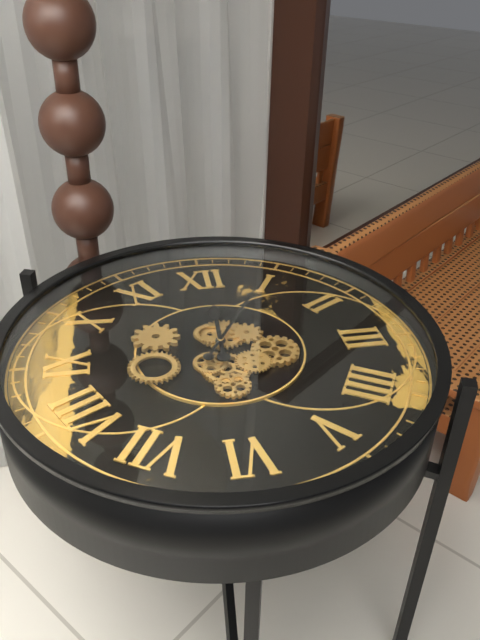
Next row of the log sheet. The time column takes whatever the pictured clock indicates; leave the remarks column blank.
12:05
